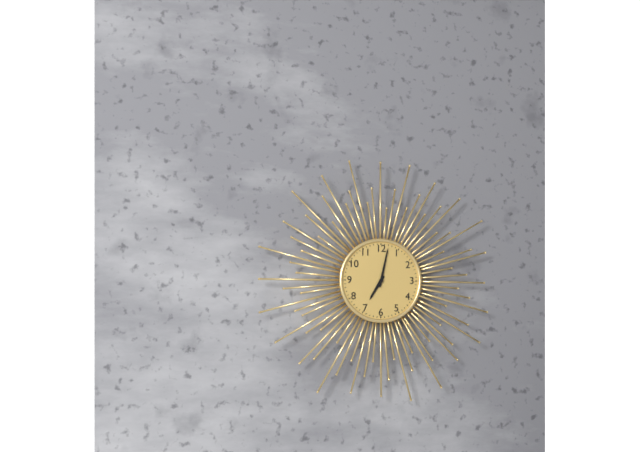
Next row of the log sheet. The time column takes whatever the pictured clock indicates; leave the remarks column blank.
7:02
